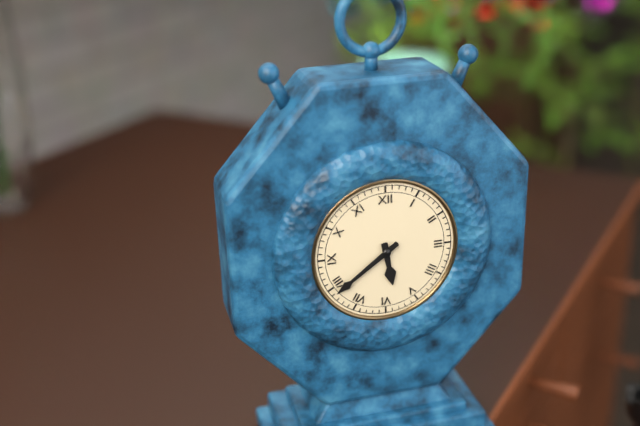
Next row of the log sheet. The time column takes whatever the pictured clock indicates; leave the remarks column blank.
5:39
